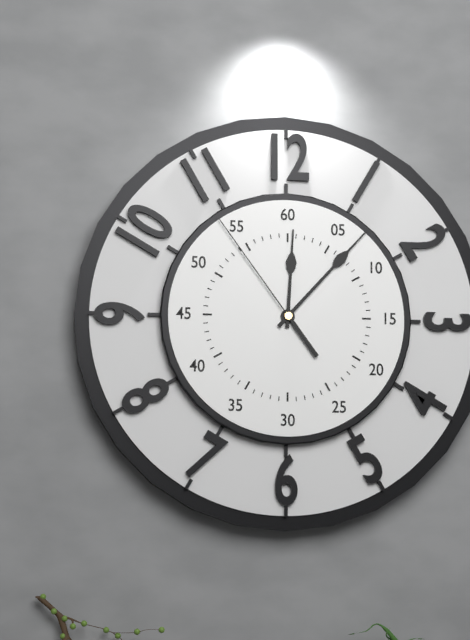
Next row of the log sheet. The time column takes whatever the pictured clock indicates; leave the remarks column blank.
12:07:54
